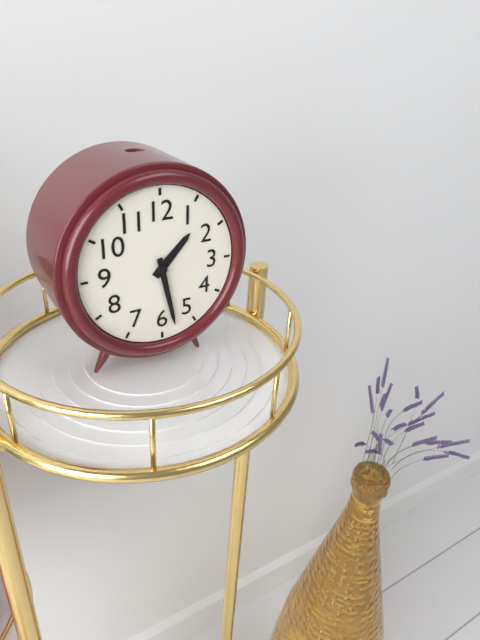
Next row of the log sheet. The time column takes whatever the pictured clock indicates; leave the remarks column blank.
1:28
